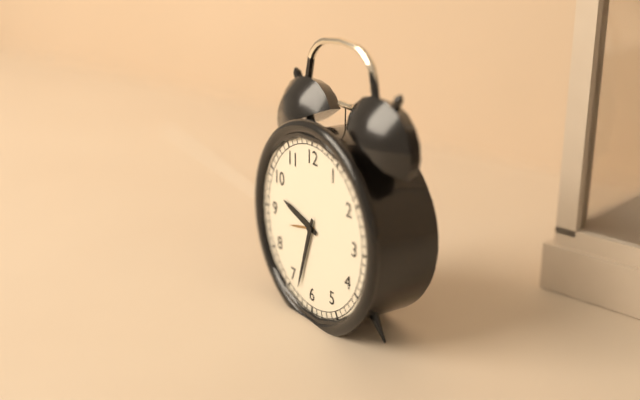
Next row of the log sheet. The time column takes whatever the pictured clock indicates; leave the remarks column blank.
9:33
